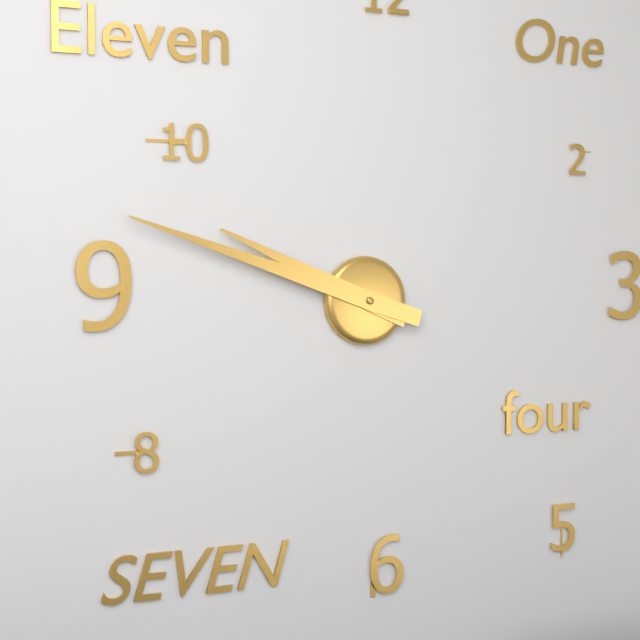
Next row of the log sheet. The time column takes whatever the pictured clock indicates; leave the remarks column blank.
9:48
